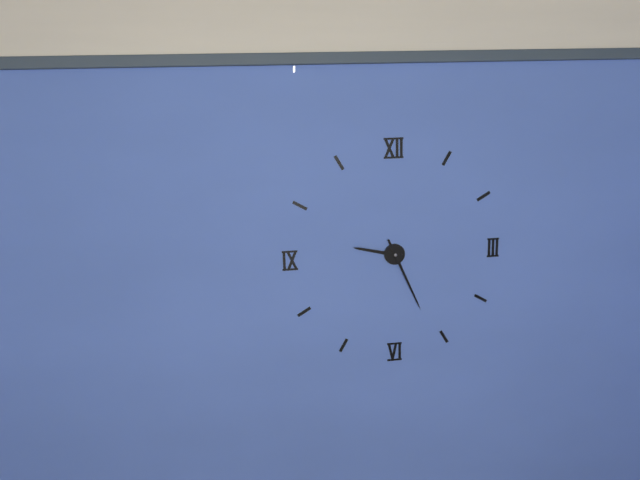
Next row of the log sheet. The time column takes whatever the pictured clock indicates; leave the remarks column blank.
9:26
